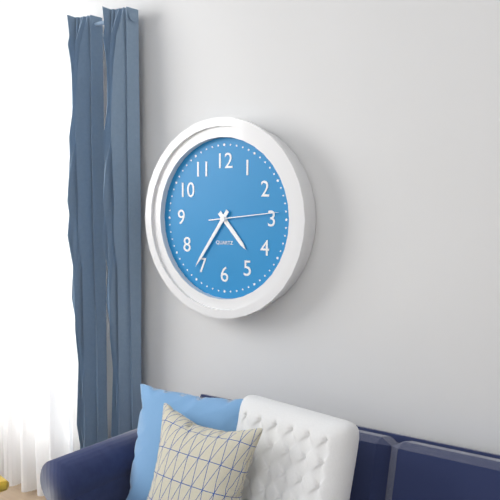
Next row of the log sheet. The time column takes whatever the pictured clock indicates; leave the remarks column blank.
4:36:14
